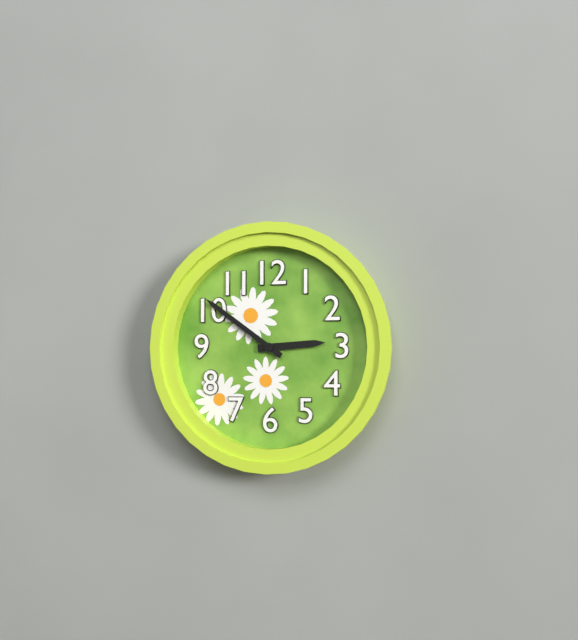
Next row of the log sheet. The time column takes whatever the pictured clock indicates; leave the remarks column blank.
2:51
